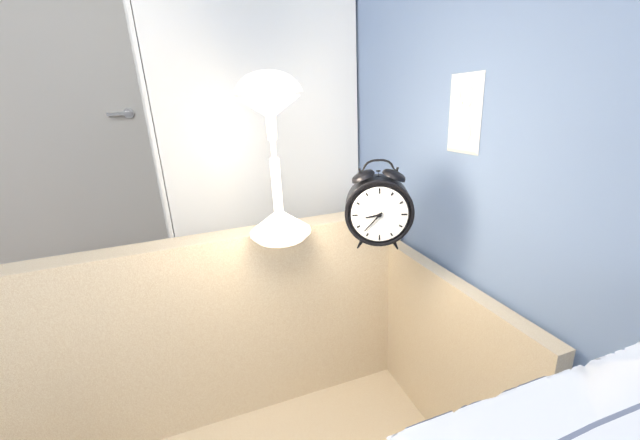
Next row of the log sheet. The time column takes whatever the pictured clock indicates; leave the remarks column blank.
8:37
